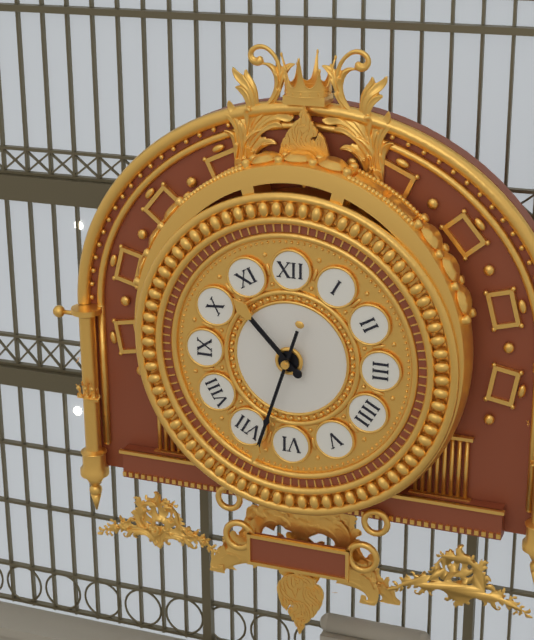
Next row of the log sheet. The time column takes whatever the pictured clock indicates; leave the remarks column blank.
10:33
